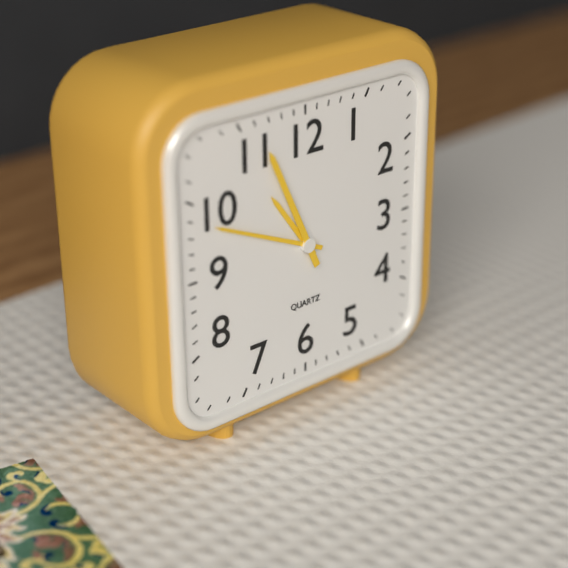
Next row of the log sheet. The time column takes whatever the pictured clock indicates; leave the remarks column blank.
10:49:56
